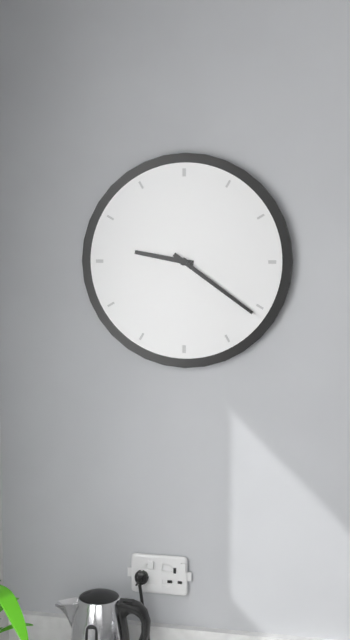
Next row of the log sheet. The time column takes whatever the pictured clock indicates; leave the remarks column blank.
9:21
